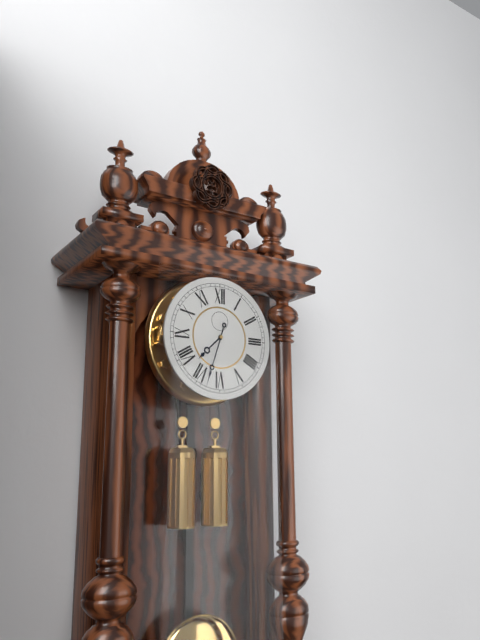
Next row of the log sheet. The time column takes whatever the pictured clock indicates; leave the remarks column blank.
7:33
